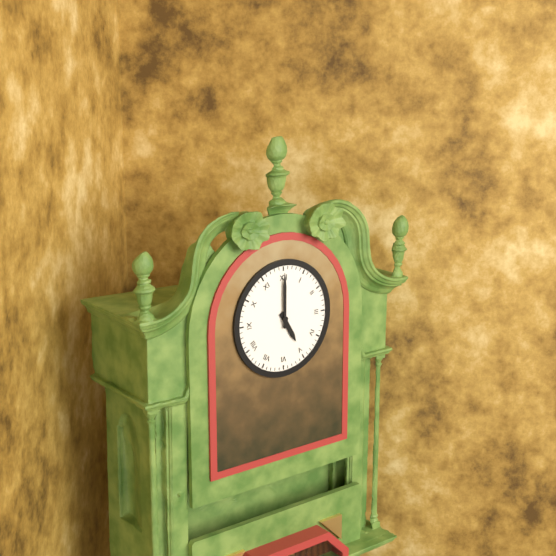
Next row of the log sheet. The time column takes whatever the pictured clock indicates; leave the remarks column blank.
5:00
